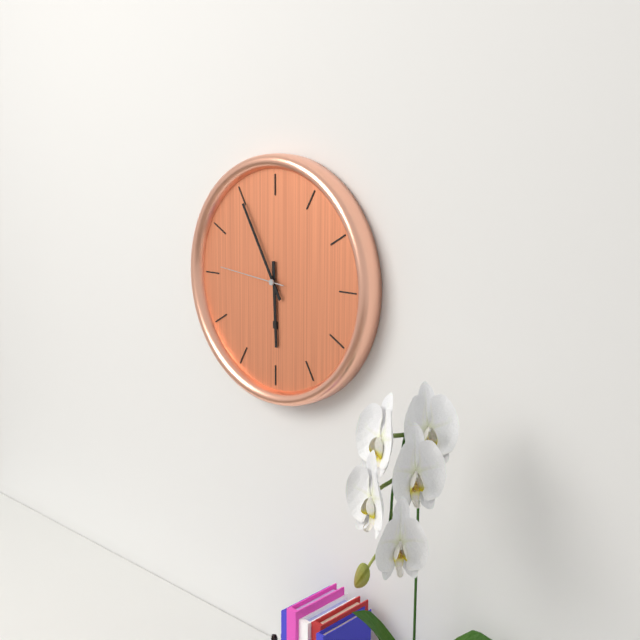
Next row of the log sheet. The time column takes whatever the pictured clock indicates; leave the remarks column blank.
5:55:46
